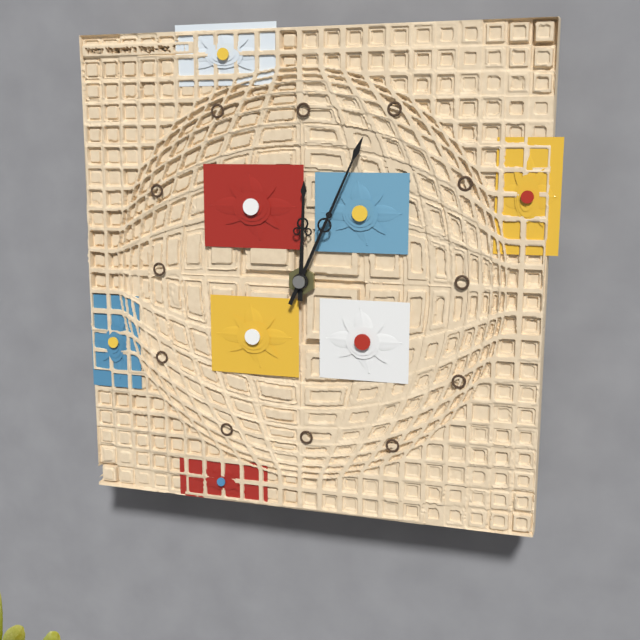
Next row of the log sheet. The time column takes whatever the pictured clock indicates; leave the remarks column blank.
12:04
